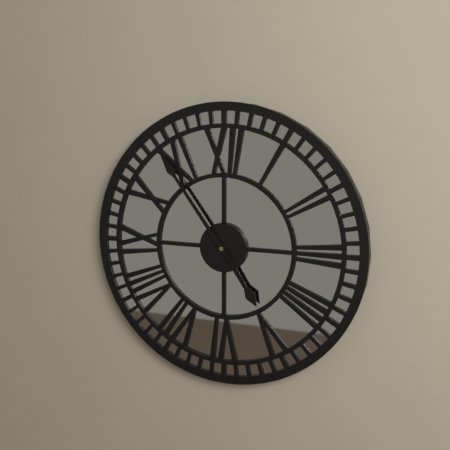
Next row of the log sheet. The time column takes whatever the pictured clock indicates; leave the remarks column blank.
4:54
